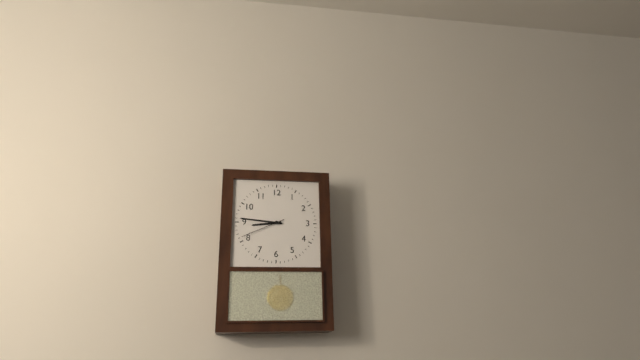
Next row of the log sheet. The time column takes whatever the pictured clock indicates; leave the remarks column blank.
8:46
